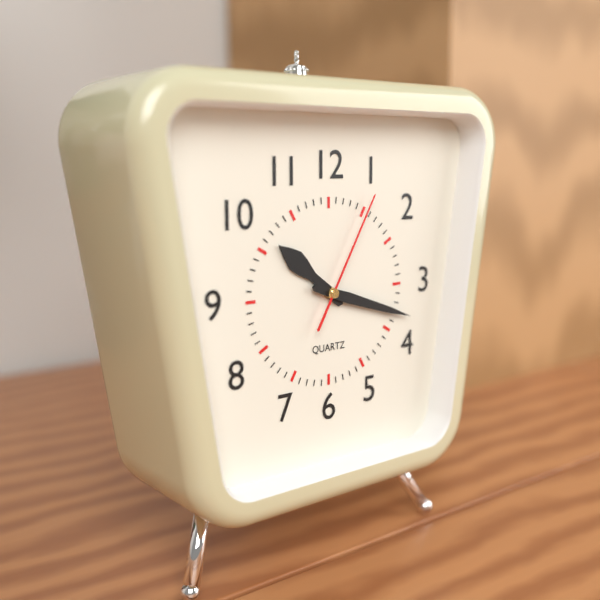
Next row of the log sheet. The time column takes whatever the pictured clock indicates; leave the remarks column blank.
10:18:05
